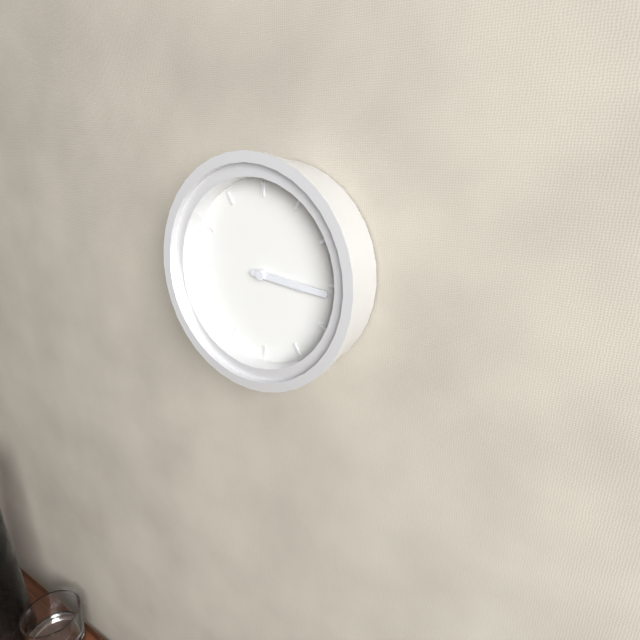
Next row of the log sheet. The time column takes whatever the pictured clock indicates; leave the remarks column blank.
3:16
